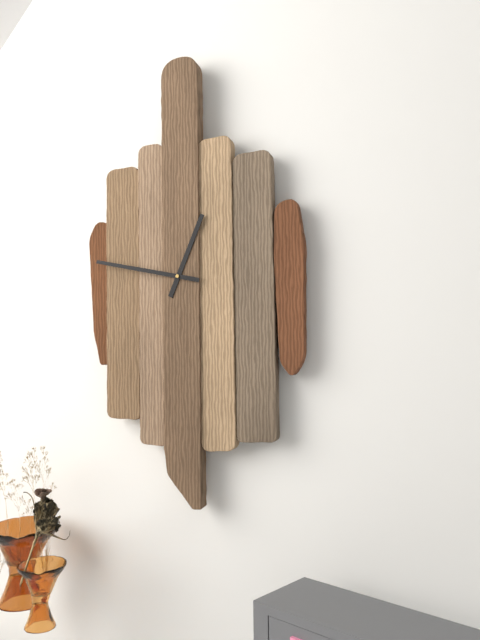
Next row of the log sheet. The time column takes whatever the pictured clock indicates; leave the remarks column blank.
12:47
